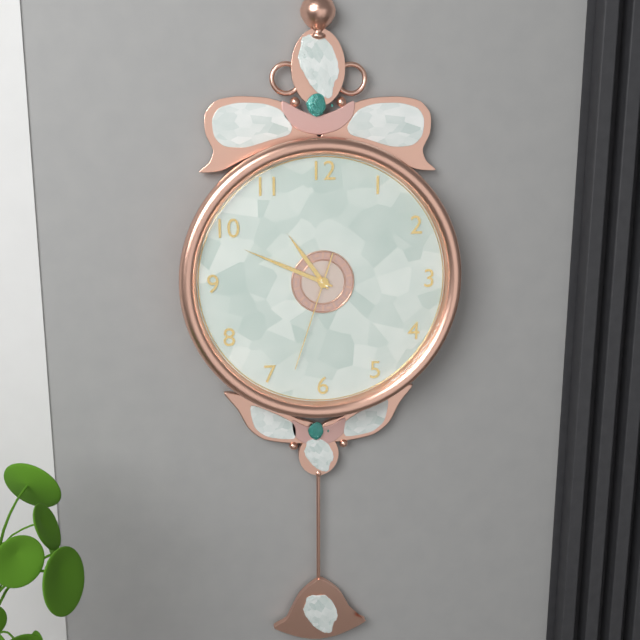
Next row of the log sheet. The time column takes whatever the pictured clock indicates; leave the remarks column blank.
10:49:33
